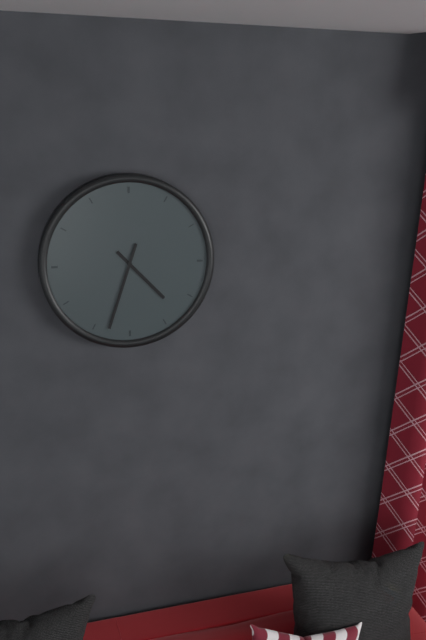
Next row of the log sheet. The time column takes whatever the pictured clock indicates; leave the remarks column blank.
4:33
